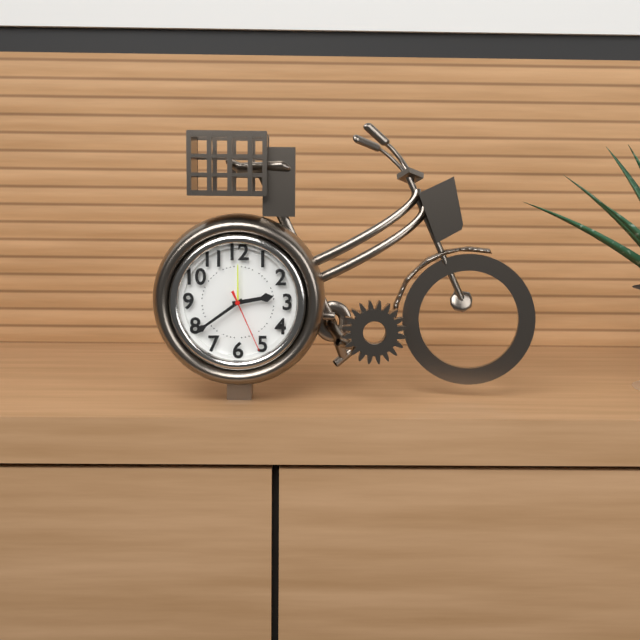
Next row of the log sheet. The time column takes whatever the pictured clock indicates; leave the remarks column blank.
2:39:26
